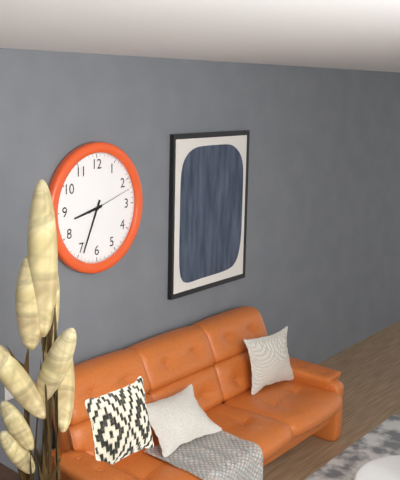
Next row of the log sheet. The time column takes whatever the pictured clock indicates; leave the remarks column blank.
8:34
